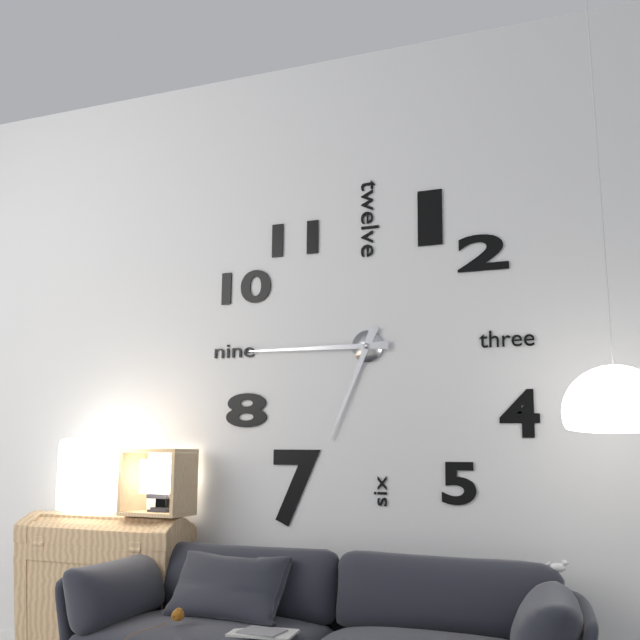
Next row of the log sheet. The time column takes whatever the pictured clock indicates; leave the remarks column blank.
6:45
